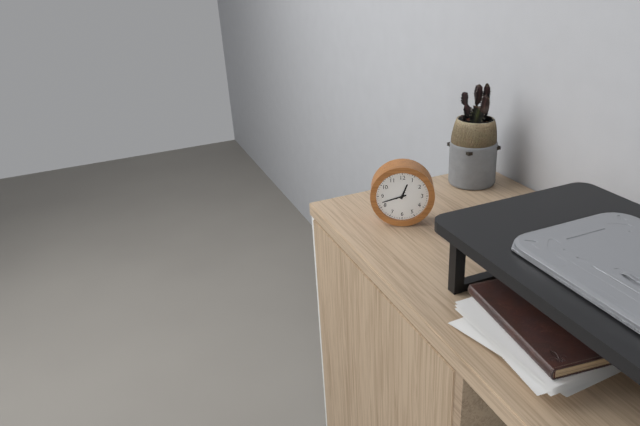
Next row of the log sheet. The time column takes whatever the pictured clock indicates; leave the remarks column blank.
12:42
